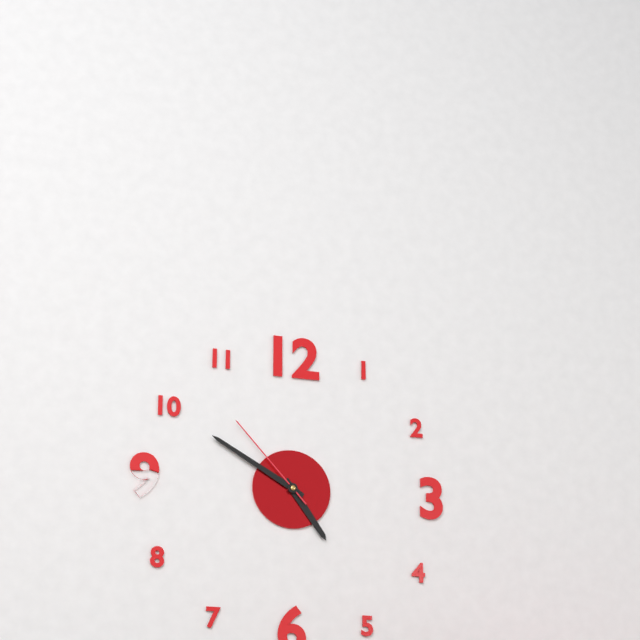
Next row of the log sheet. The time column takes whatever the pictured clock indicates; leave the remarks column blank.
4:50:53
